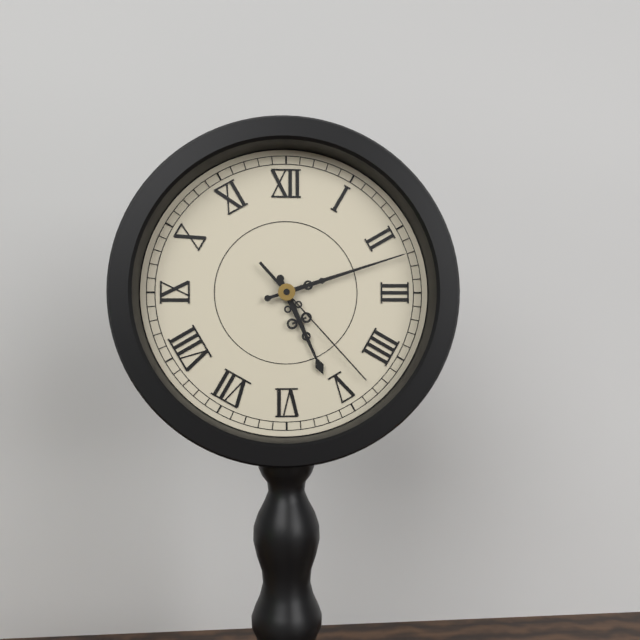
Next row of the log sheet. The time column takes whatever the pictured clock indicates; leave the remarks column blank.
5:12:23
